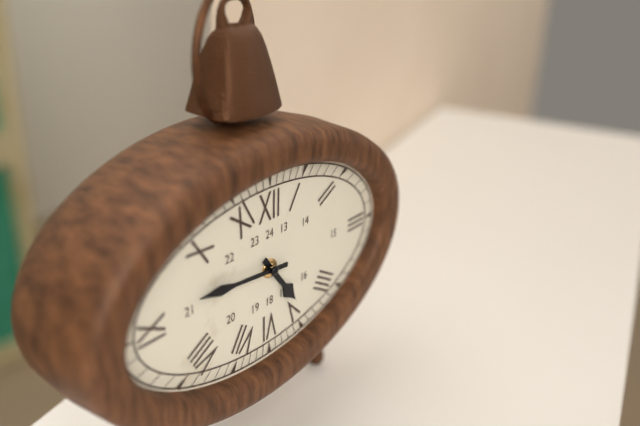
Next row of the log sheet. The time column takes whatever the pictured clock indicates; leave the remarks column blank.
4:46
